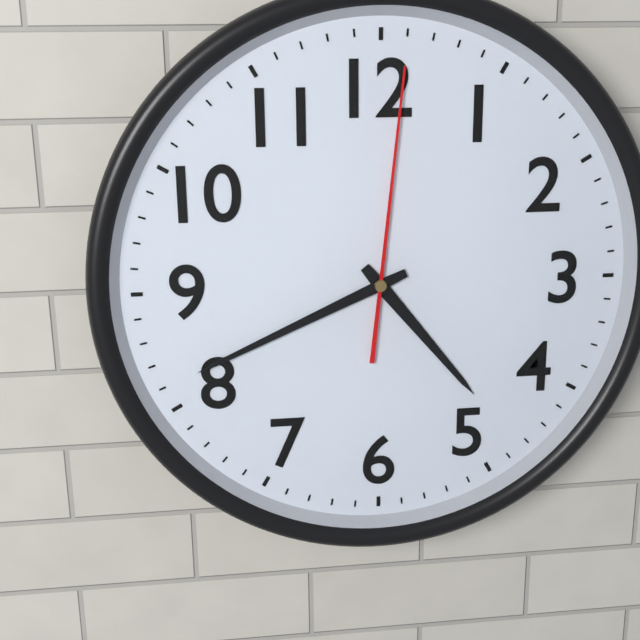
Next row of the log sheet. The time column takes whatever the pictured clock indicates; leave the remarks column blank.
4:41:01
